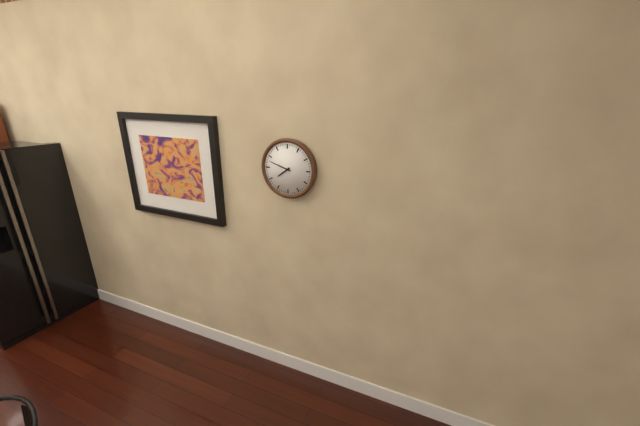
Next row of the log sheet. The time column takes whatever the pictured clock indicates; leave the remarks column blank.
7:48
